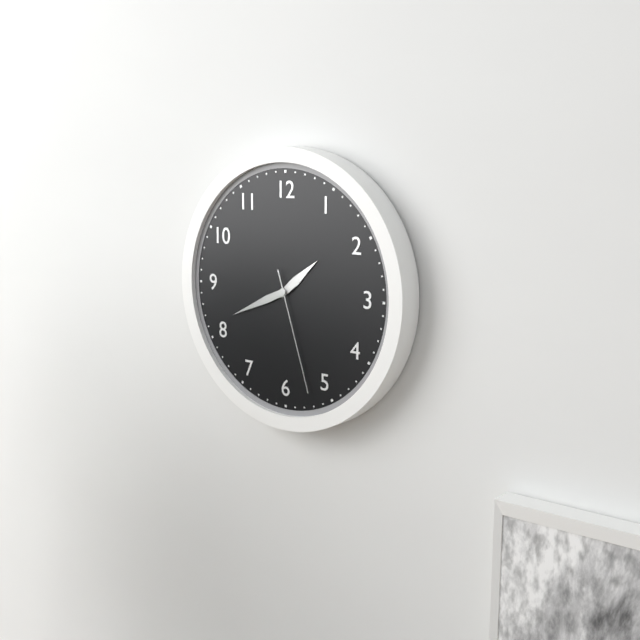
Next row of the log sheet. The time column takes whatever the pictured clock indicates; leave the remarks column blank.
1:41:27
